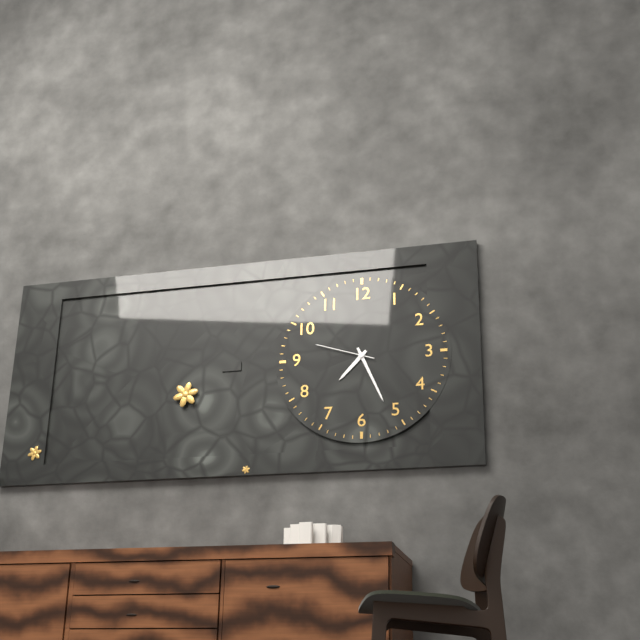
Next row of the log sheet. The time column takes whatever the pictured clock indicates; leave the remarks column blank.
7:26:48
